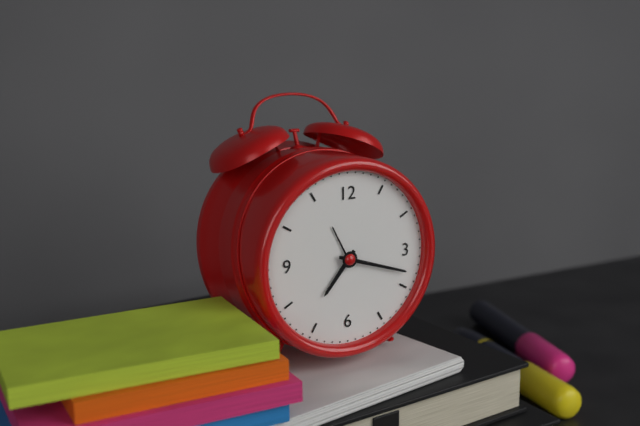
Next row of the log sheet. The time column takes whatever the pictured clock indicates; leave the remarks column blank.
7:18
